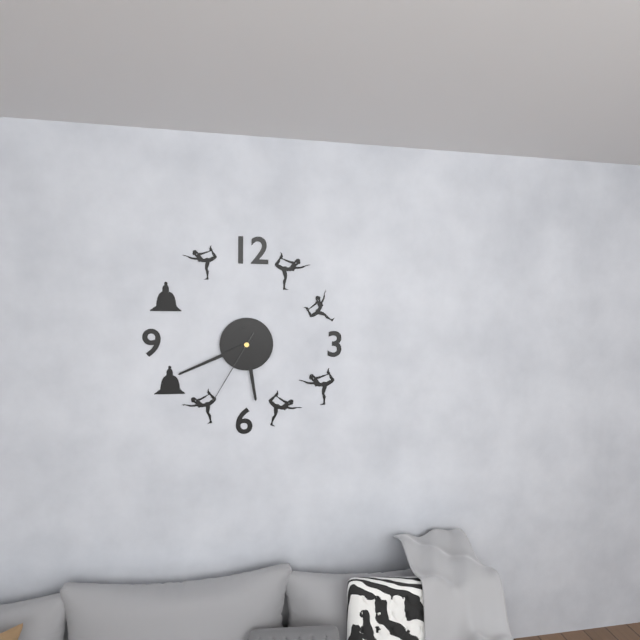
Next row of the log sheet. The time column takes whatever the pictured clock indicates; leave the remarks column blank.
5:41:35
